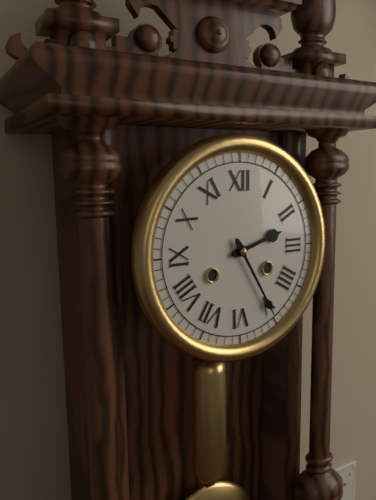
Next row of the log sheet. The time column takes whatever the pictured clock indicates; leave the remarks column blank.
2:25
